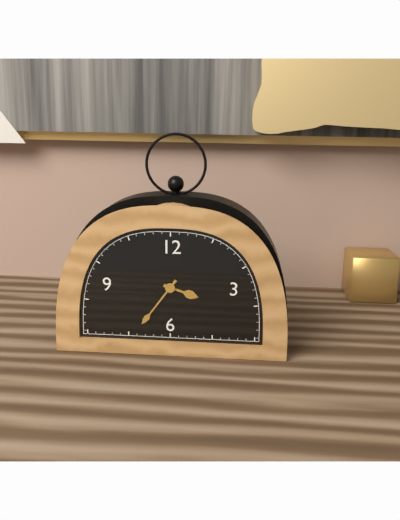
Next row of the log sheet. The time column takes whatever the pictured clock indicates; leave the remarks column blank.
3:36
